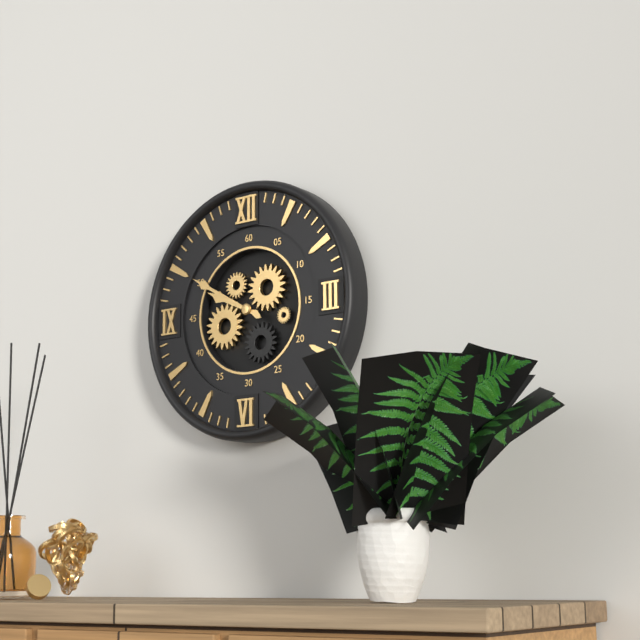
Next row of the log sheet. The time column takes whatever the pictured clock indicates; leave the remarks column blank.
9:50
